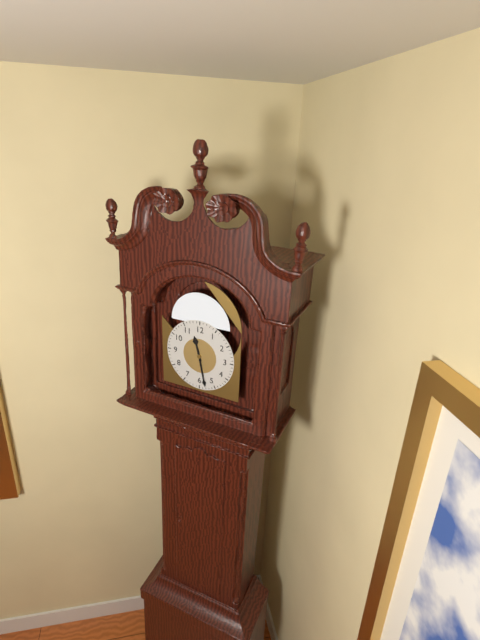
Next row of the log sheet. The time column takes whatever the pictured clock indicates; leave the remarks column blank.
11:28
